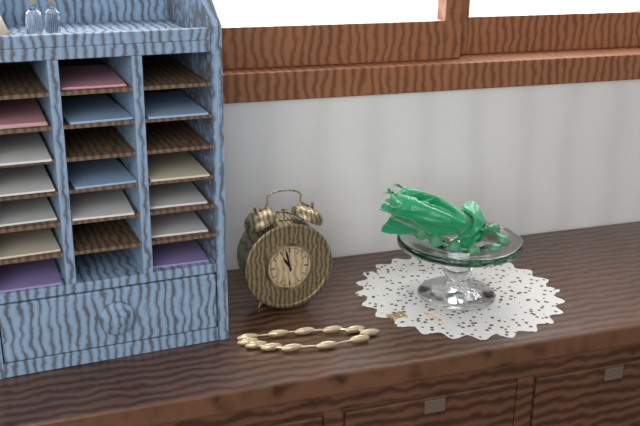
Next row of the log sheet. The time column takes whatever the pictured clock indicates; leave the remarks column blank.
10:58
